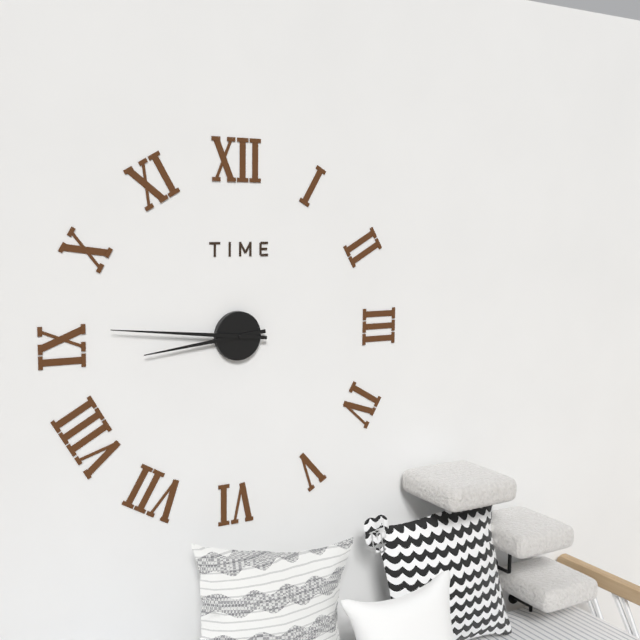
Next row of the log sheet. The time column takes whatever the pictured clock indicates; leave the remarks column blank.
8:46
